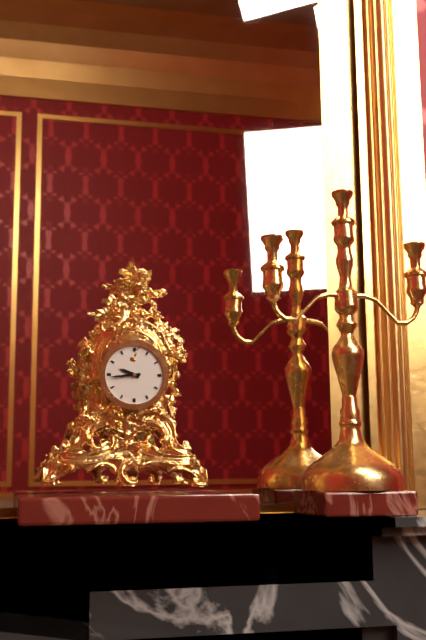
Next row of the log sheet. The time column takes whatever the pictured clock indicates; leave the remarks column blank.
9:44
